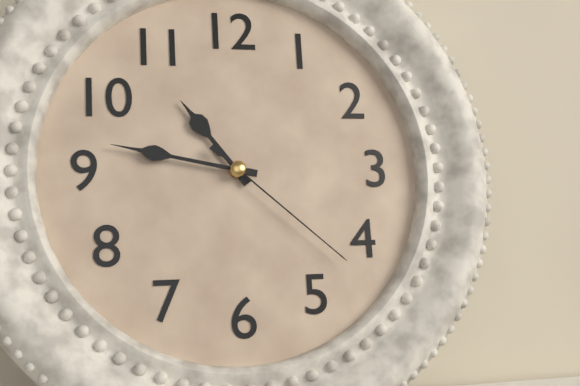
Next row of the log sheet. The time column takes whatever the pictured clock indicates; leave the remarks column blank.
10:47:22
